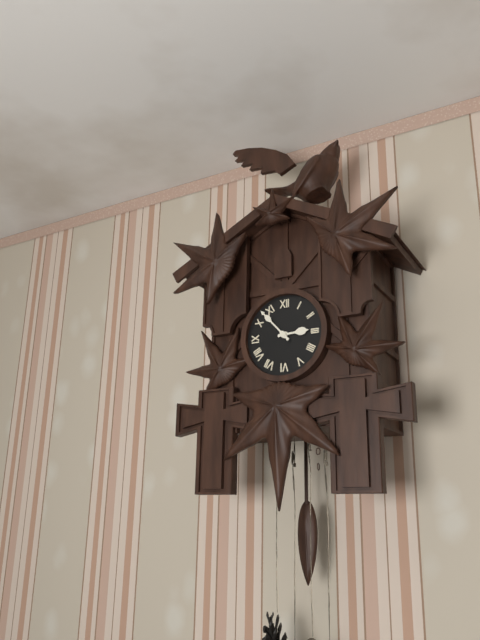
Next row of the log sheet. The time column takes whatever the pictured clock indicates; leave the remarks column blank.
2:53
